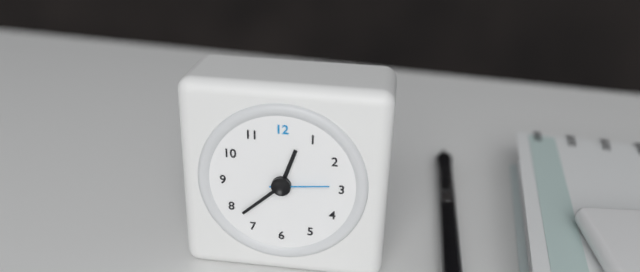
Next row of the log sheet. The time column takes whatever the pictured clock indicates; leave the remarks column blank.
12:38:14
